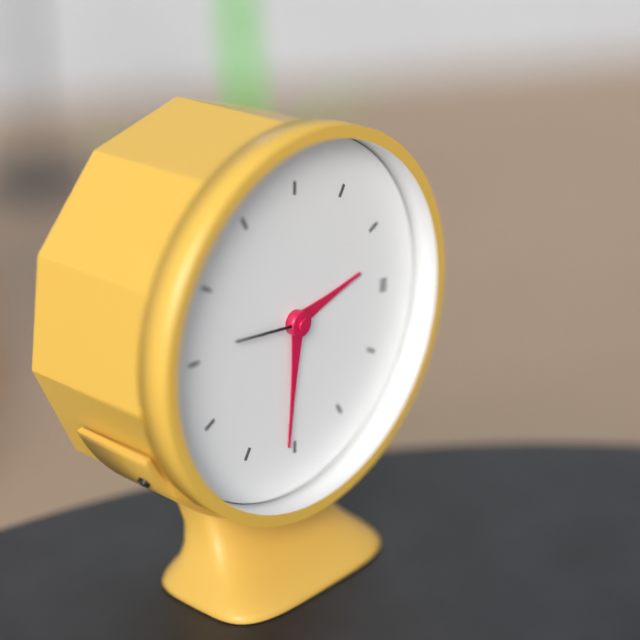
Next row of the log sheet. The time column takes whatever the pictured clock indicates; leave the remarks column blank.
2:31:46
